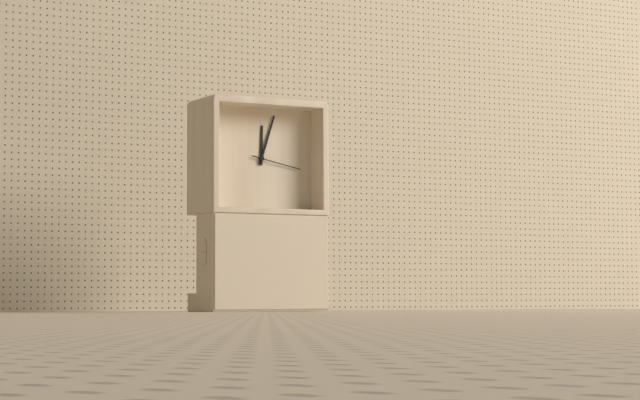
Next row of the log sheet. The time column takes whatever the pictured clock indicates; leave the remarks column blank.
12:03
